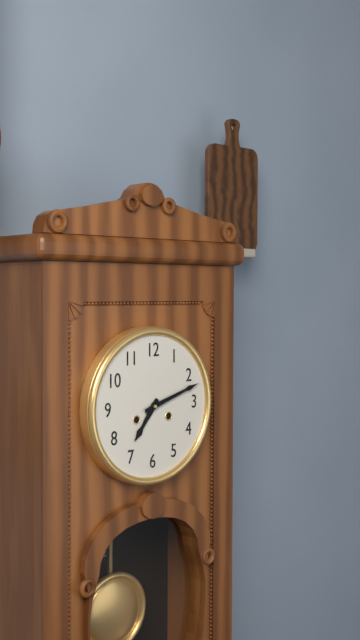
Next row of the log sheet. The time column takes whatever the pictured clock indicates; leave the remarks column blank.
7:12
